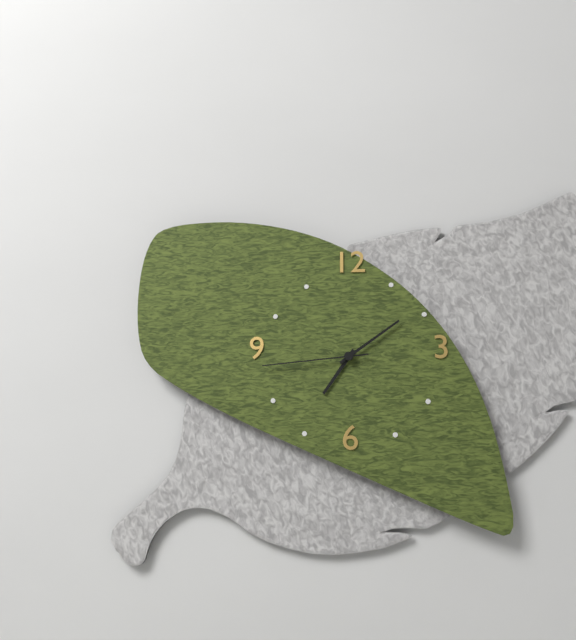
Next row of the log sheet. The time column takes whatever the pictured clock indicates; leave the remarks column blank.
7:09:44
